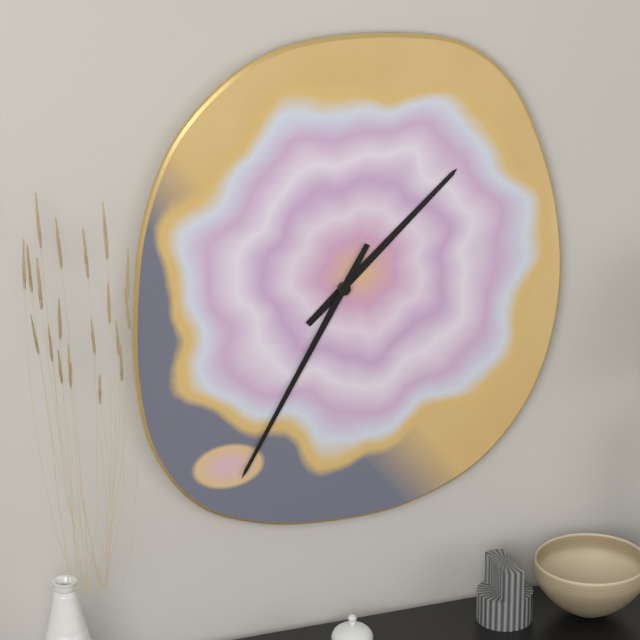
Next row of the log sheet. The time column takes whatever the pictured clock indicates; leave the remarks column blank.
1:35
